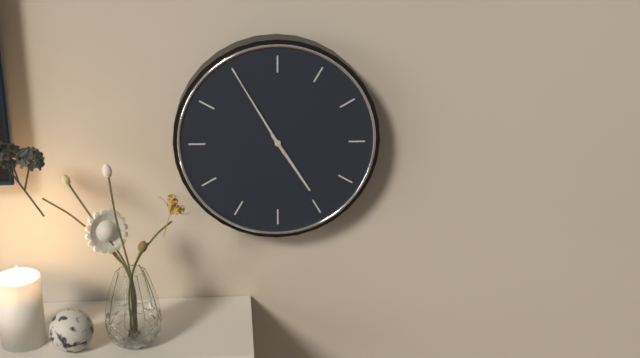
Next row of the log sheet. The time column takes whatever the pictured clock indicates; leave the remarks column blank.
4:55
